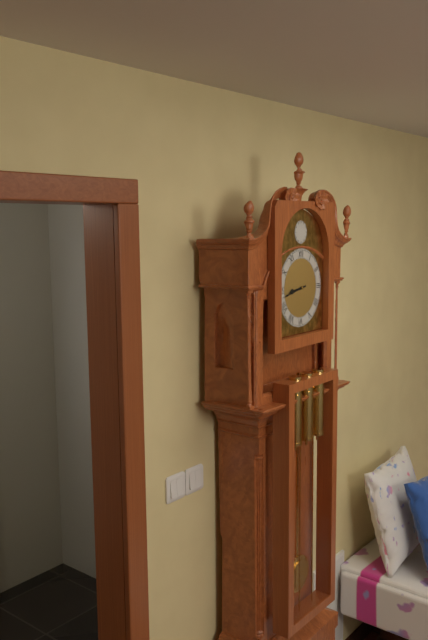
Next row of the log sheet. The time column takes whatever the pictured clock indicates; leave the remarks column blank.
8:43
